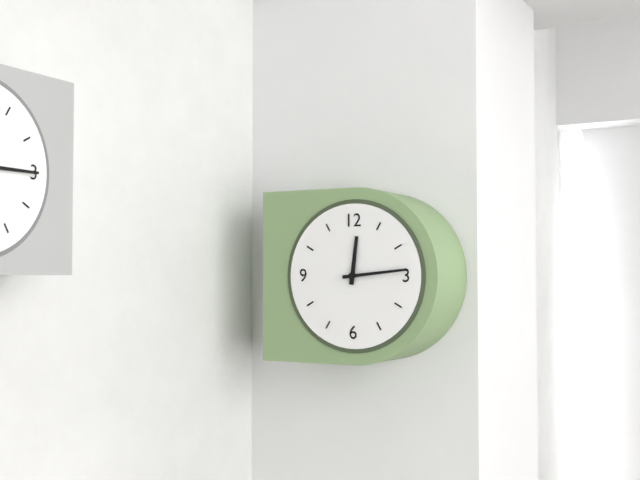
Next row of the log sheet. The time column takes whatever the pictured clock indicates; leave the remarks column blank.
12:14
